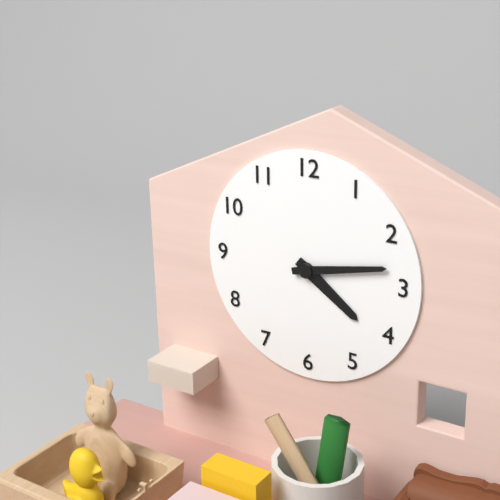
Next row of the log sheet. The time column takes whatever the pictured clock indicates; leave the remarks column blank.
4:13
